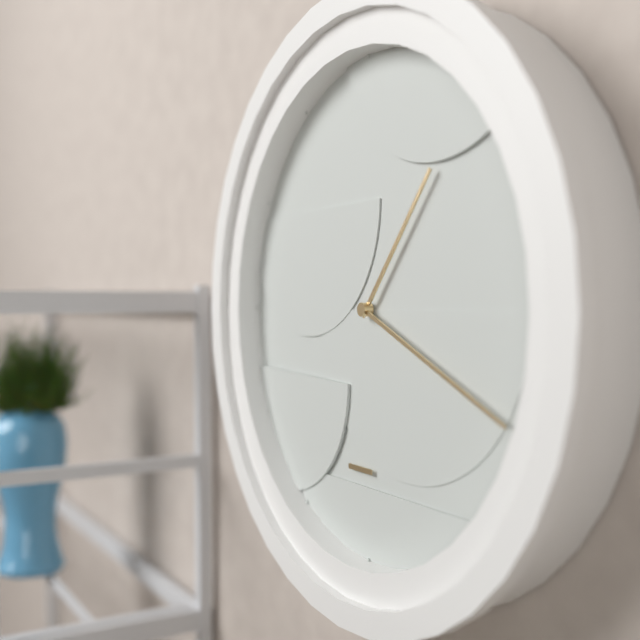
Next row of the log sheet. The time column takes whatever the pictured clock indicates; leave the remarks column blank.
1:19
